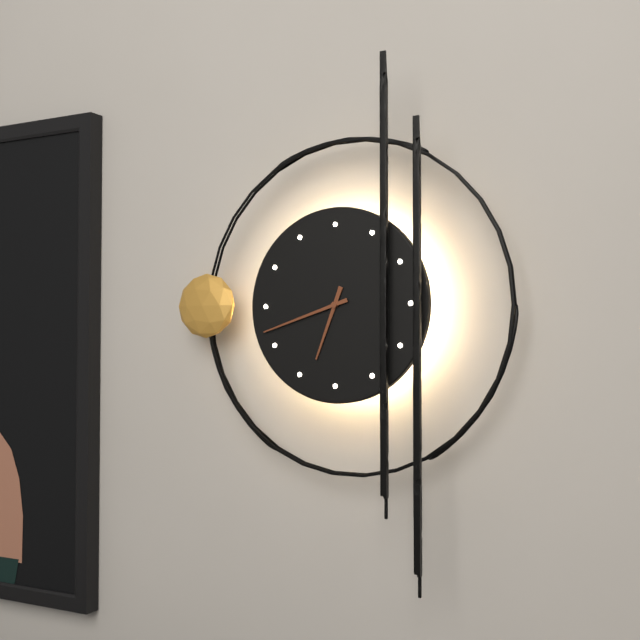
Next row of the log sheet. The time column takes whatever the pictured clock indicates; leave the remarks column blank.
6:42
